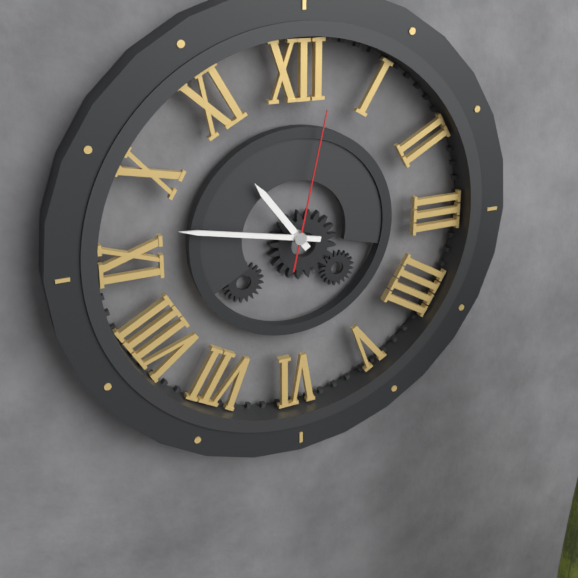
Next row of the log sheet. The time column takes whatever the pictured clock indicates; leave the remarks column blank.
10:47:02
